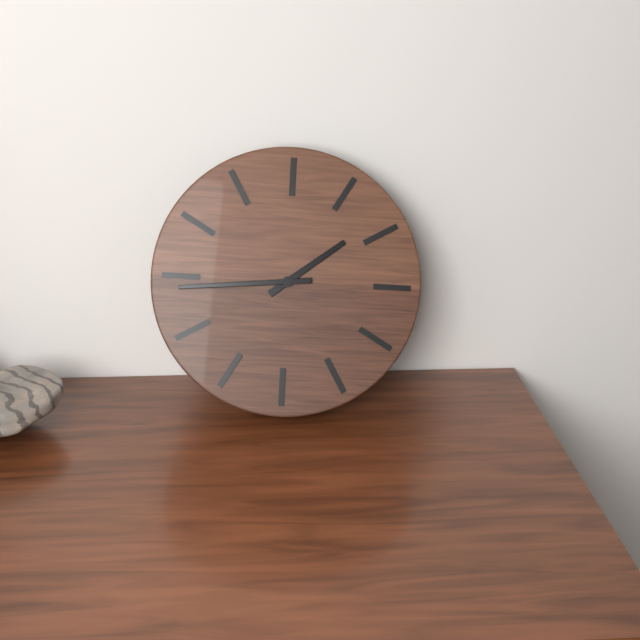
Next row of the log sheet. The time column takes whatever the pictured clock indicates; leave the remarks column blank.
1:44
